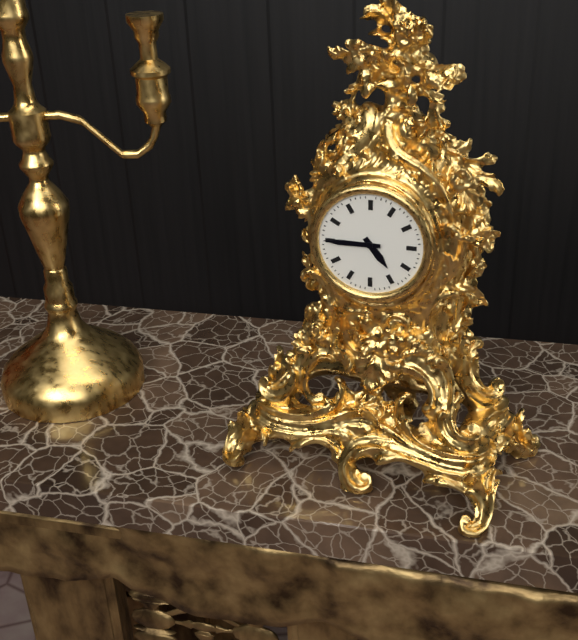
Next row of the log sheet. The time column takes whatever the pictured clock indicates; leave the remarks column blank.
4:45
